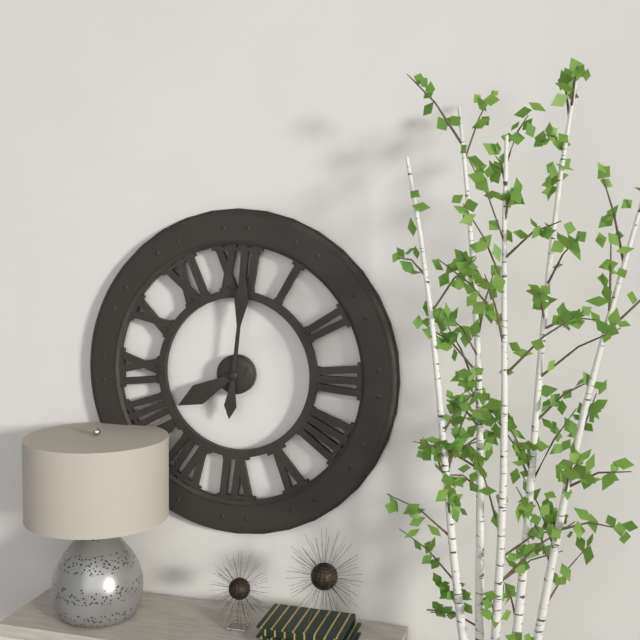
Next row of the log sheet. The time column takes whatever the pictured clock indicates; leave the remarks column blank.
8:01
